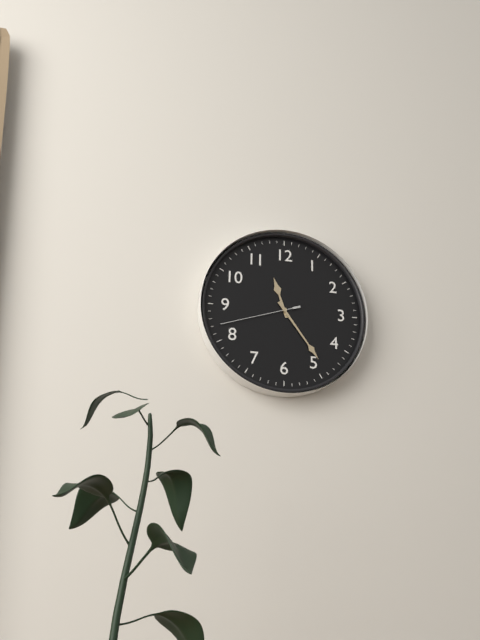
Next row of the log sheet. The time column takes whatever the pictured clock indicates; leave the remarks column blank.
11:24:42
